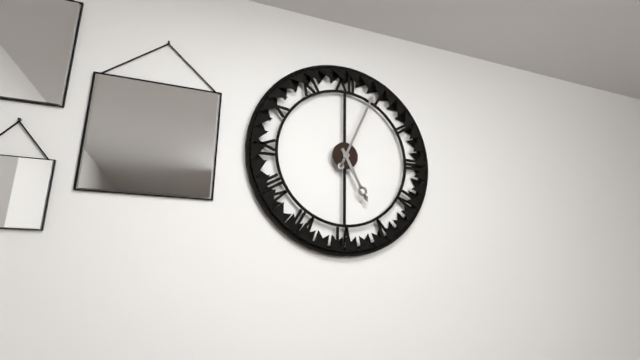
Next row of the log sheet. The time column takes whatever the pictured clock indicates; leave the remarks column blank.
5:04
